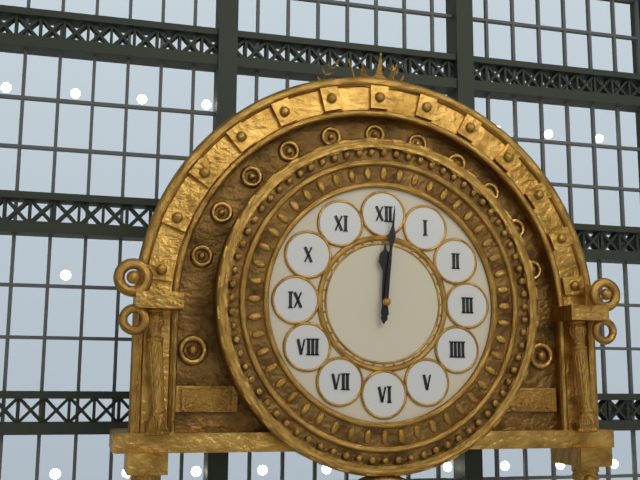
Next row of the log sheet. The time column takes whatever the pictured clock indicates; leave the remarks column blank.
12:01
